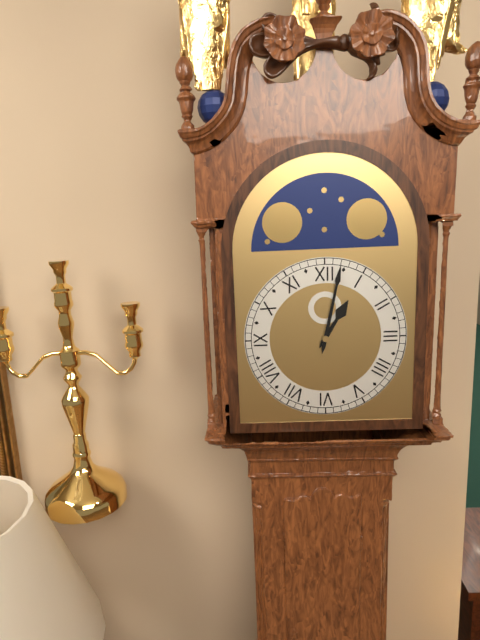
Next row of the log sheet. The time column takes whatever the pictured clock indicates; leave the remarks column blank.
1:02
